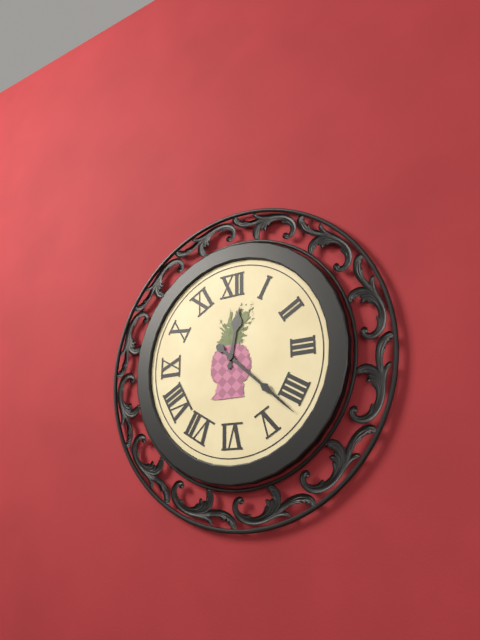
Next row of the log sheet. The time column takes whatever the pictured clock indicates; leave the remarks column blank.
12:22
